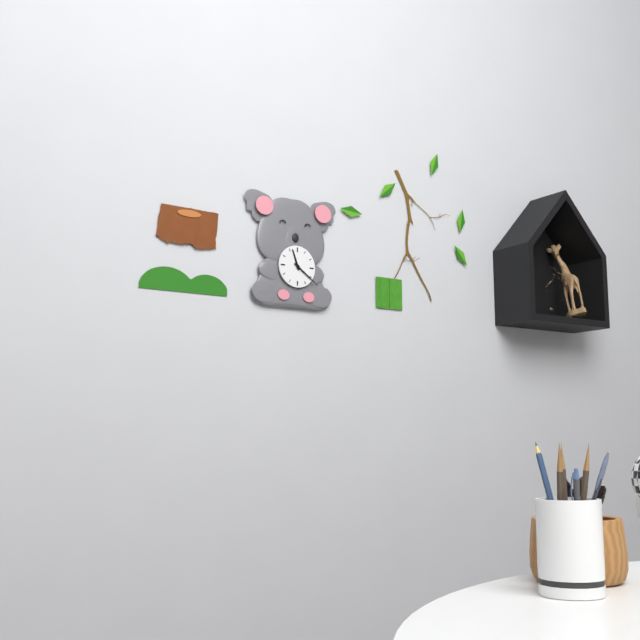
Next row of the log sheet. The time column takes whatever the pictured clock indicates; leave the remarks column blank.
11:21
